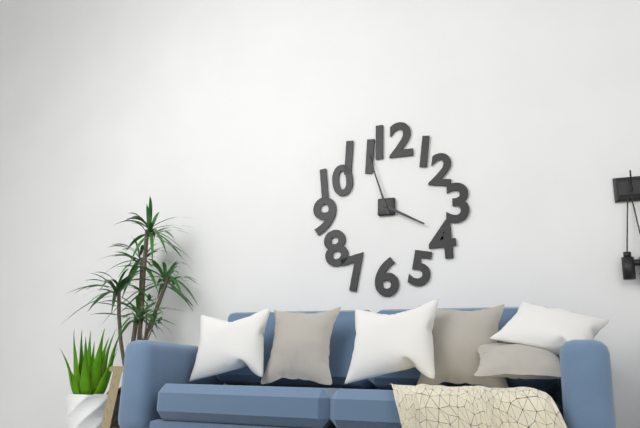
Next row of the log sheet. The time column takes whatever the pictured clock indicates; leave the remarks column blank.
3:57
